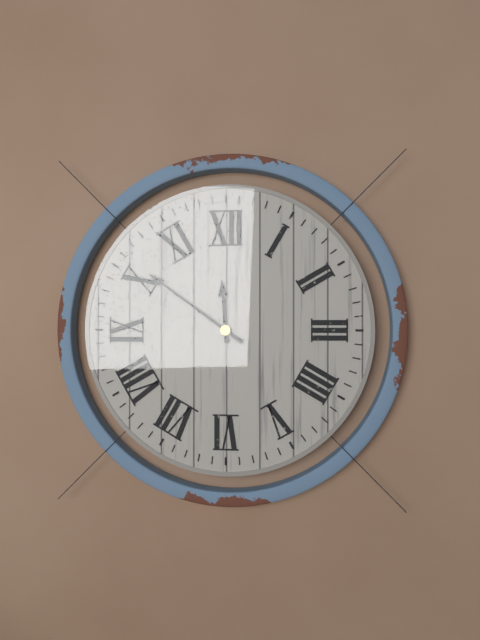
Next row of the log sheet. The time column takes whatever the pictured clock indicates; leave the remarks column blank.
11:51
